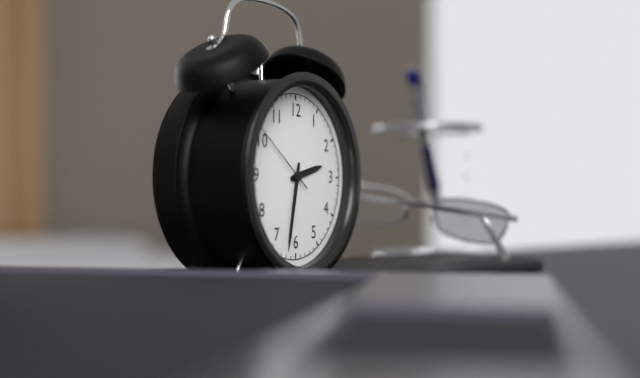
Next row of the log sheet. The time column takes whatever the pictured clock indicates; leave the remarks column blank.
2:32:51
